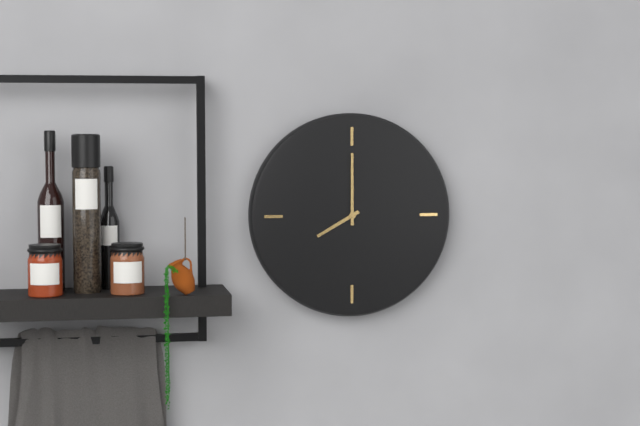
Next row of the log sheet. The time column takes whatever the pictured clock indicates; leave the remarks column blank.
8:00
